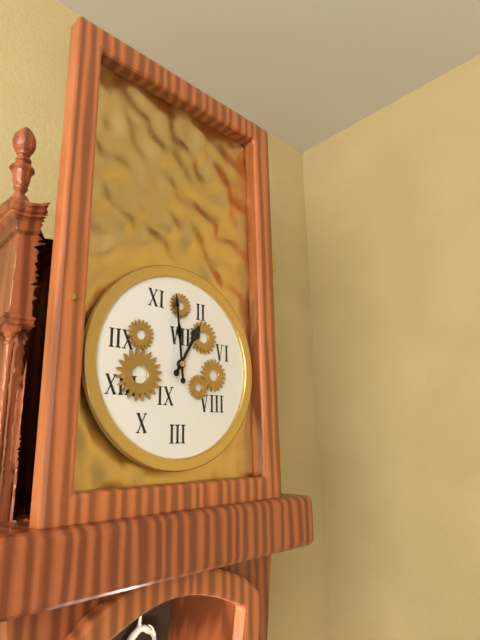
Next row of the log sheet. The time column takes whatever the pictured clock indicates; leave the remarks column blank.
12:59
